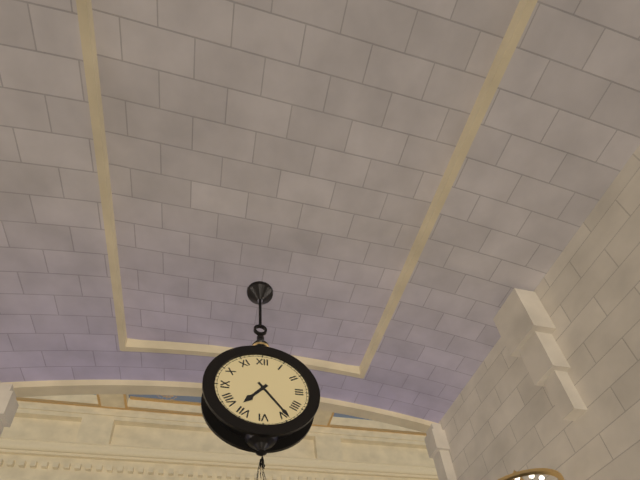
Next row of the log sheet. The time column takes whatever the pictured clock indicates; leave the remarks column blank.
7:24
